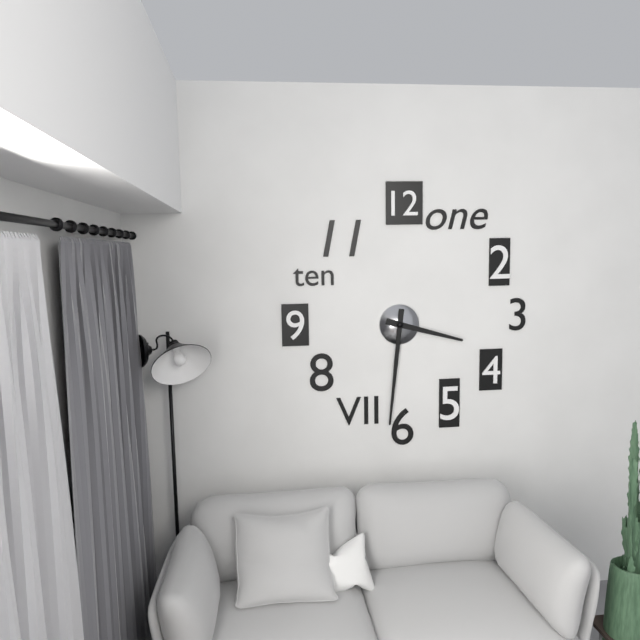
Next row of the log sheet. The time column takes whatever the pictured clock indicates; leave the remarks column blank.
3:31
